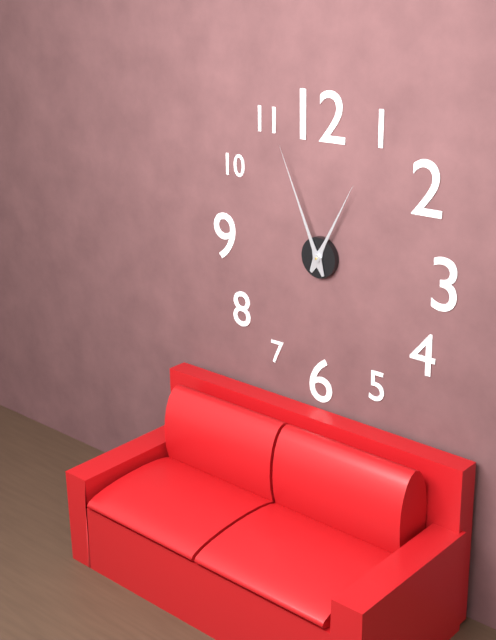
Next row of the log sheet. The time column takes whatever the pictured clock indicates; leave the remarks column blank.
12:56
